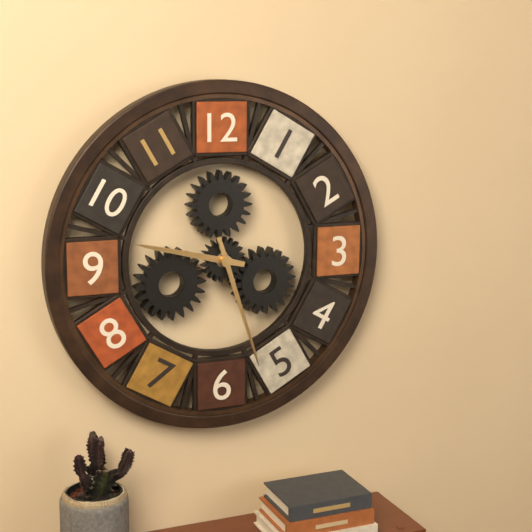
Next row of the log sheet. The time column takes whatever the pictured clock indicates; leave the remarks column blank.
9:27
